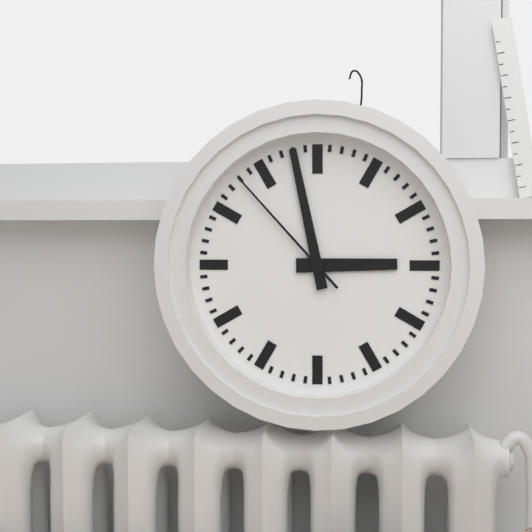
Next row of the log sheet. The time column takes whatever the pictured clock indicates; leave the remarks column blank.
2:58:53
